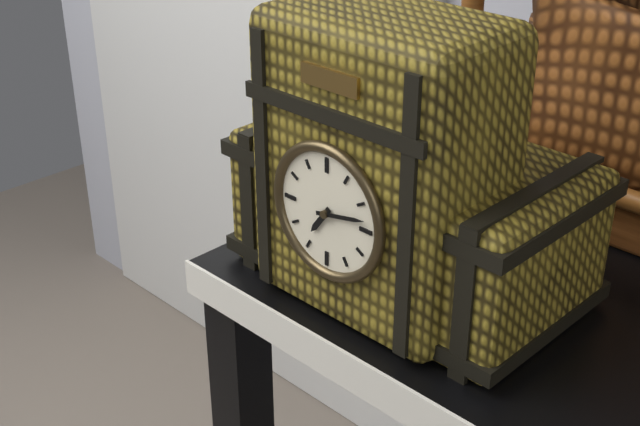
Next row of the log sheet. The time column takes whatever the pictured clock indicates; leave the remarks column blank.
7:13
